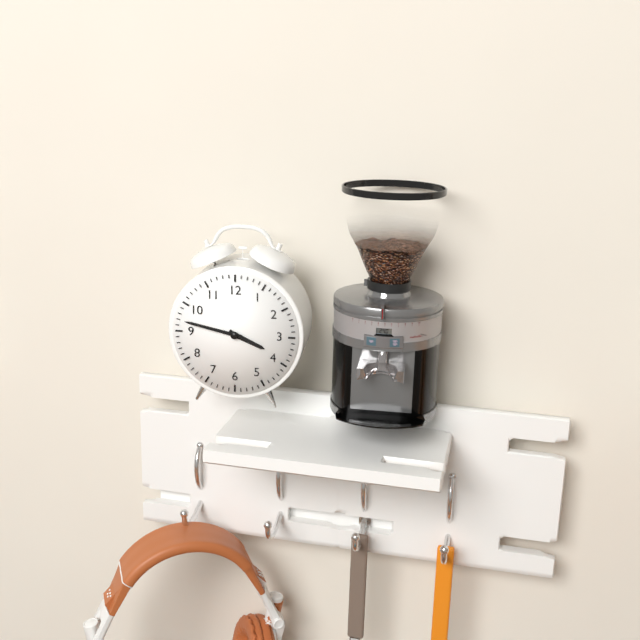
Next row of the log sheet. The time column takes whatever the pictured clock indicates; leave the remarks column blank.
3:47
